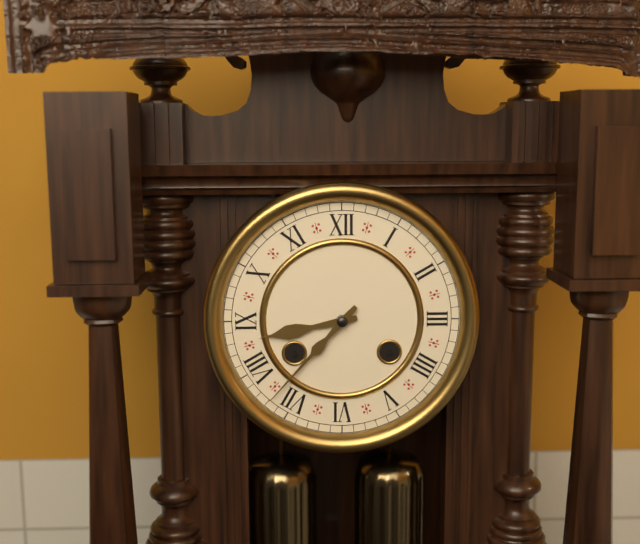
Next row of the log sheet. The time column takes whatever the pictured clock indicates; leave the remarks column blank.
8:37
